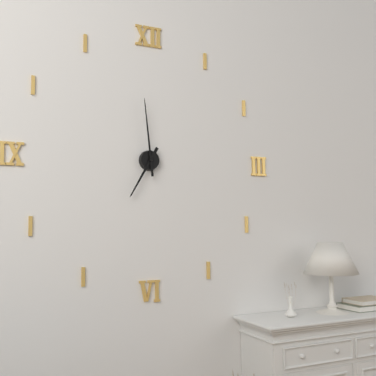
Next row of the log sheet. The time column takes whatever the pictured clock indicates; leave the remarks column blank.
6:59
